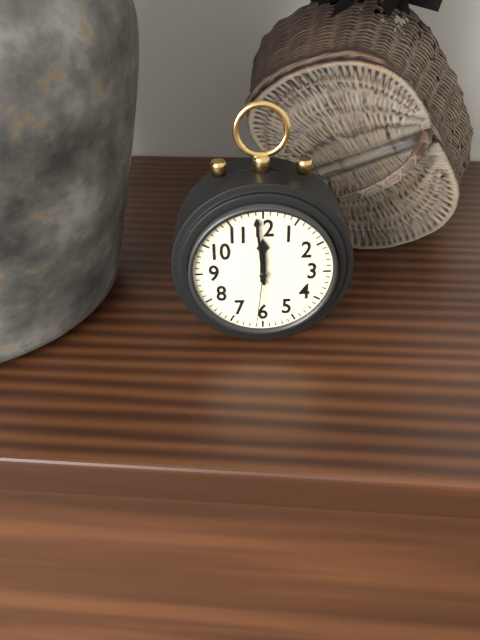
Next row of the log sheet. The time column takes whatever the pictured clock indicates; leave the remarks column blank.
11:59:31
